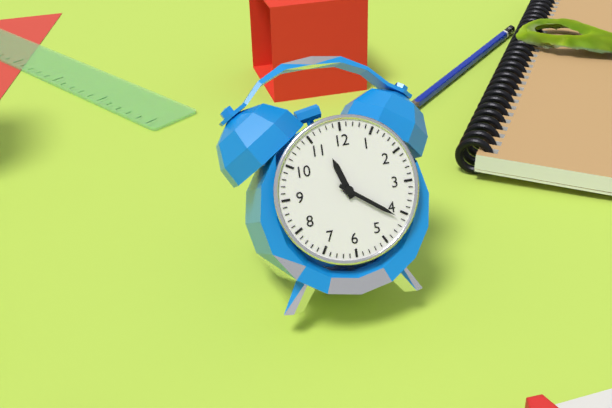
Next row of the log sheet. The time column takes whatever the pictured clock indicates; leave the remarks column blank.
11:21
